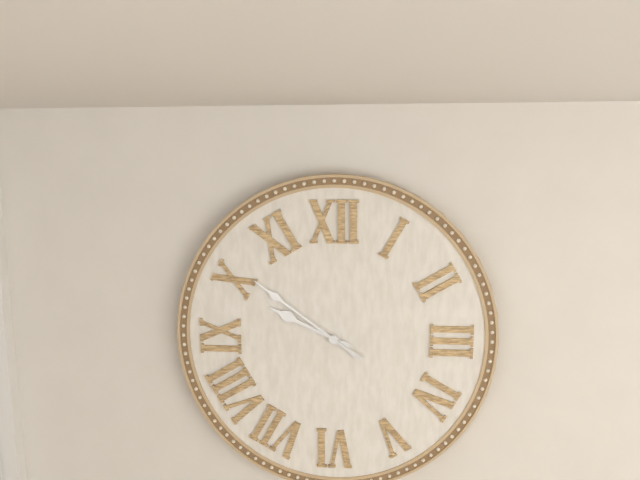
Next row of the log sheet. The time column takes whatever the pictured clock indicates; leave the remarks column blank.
9:51
